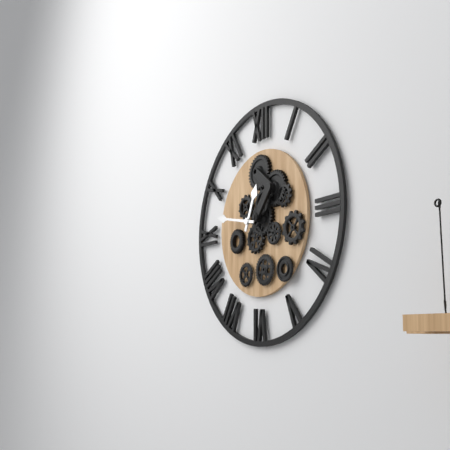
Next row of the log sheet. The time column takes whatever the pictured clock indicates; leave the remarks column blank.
12:47
